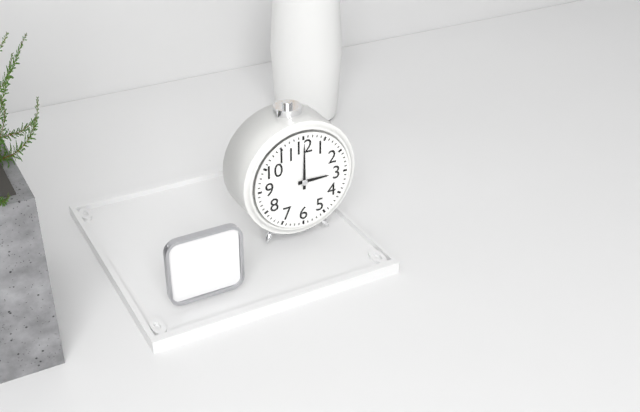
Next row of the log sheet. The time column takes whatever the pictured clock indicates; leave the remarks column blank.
3:00
